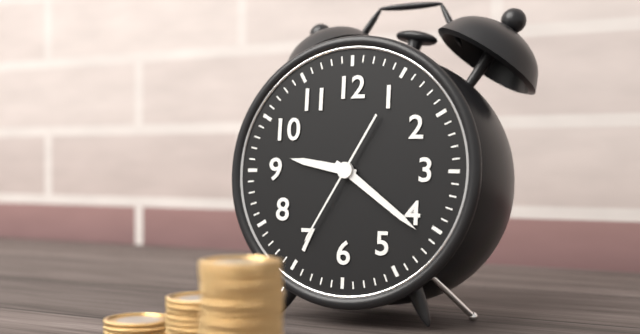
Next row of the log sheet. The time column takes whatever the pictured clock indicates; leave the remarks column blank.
9:21:35
